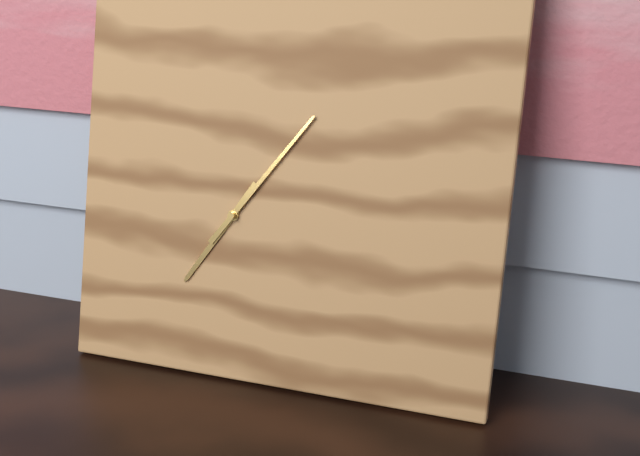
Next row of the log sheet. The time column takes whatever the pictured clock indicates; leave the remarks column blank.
7:06
